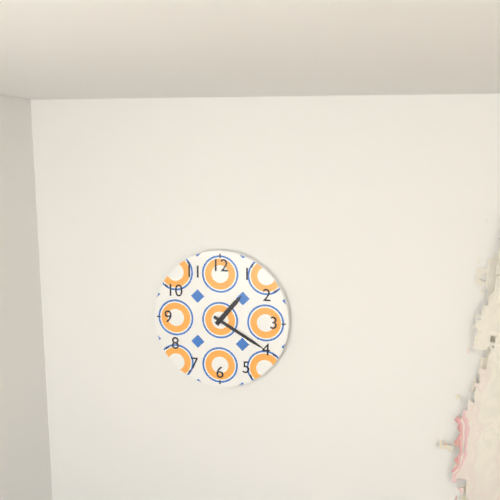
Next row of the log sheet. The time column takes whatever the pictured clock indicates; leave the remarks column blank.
1:20
